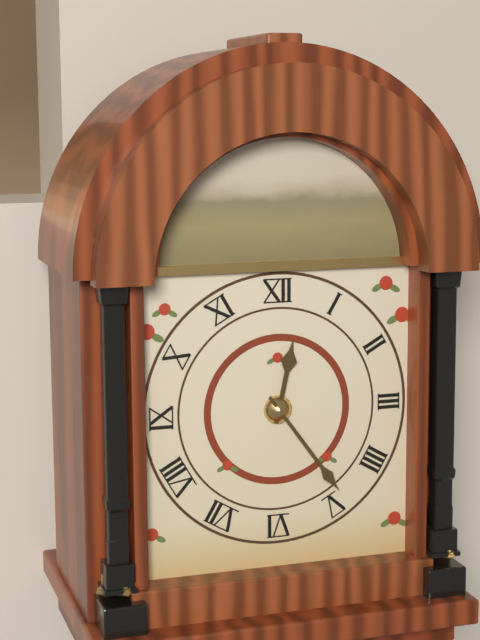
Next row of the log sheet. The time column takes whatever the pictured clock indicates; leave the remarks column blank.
12:24
